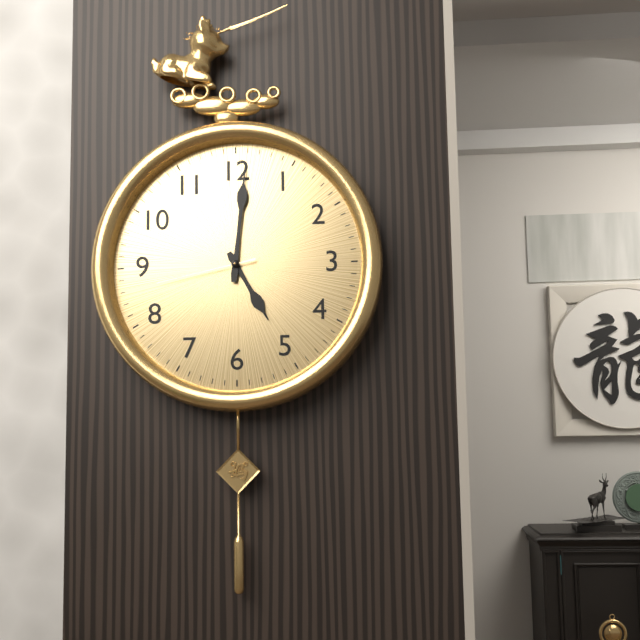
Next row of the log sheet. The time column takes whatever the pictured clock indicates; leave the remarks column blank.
5:01:43
